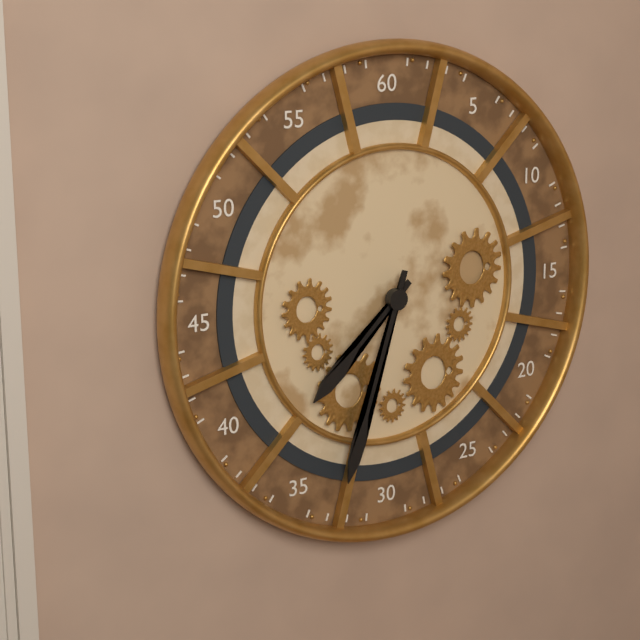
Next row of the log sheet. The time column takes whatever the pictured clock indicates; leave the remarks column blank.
7:33
